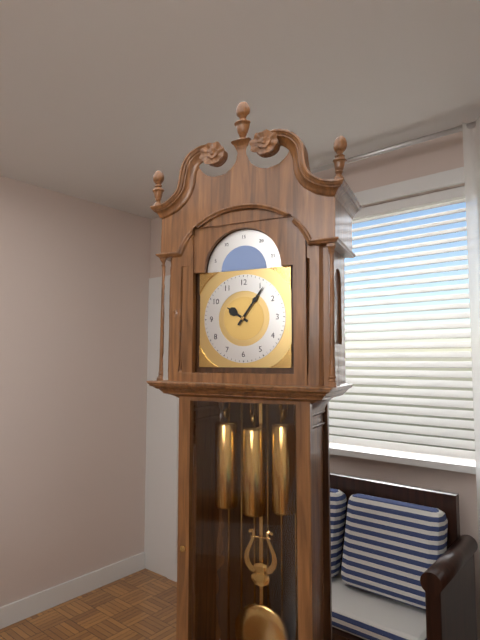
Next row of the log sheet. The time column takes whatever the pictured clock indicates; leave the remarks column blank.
10:06
